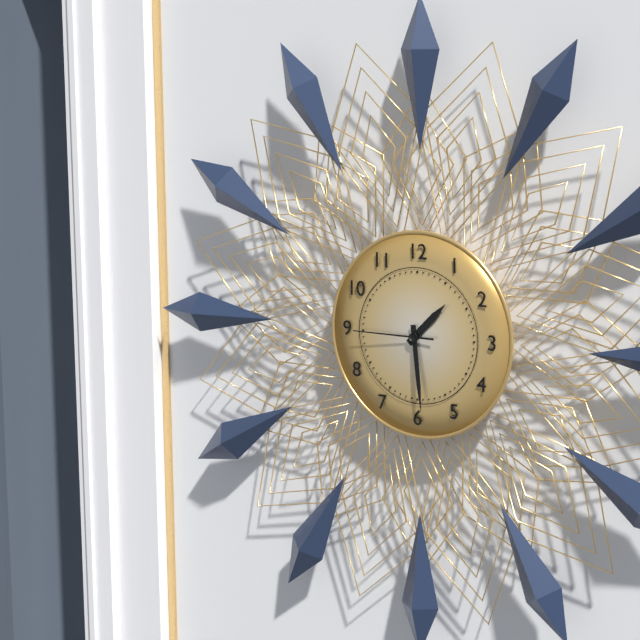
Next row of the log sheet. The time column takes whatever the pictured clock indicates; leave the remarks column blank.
1:29:45
